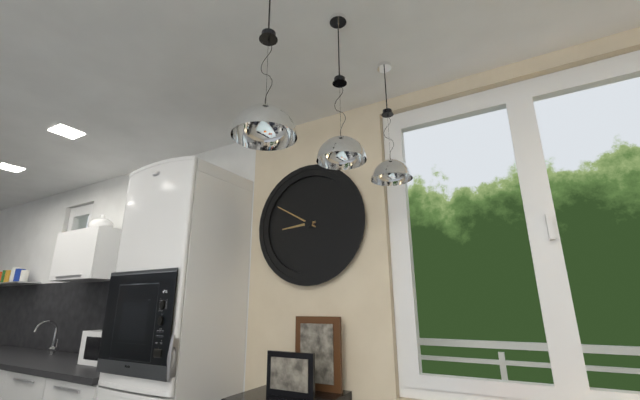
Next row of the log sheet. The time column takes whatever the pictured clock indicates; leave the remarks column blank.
8:50
